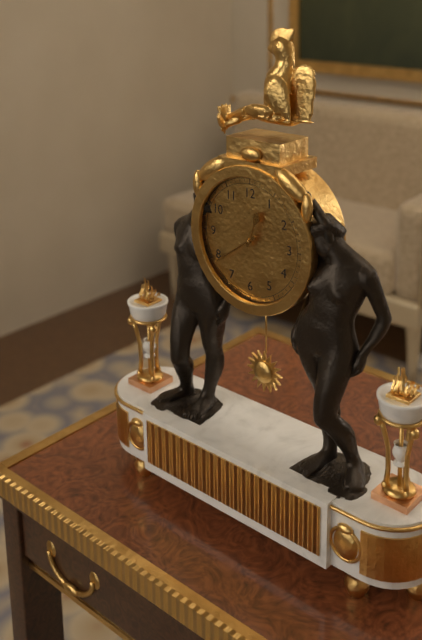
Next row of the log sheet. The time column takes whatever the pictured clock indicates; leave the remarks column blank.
12:39
